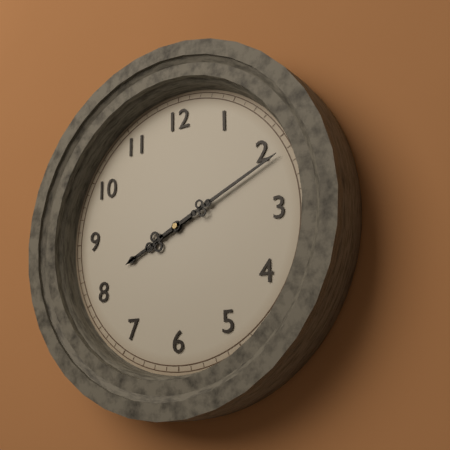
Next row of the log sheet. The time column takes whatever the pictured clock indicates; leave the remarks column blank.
8:11
